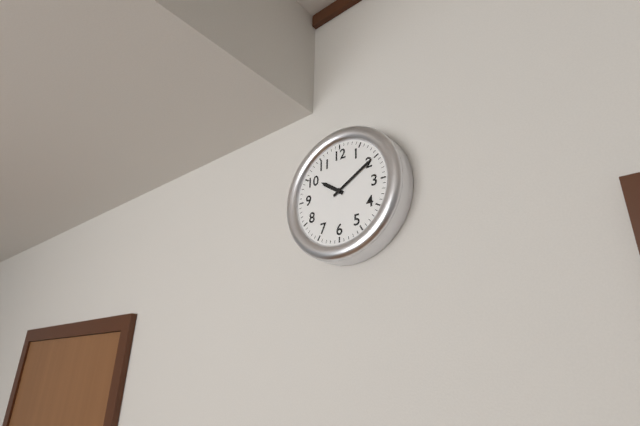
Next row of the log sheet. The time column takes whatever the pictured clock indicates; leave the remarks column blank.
10:10
